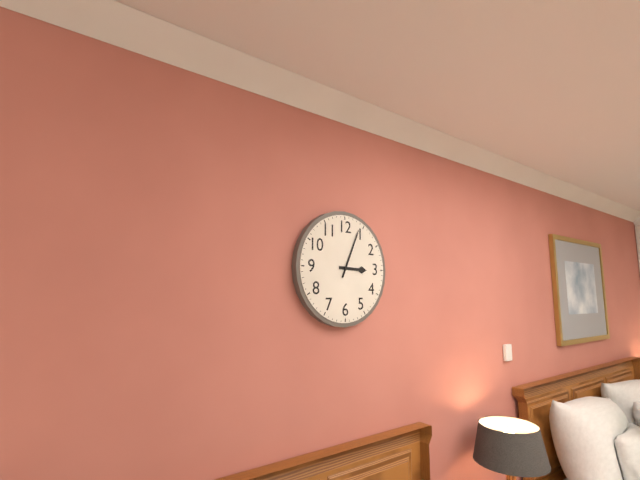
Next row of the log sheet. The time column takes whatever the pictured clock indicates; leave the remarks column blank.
3:04
